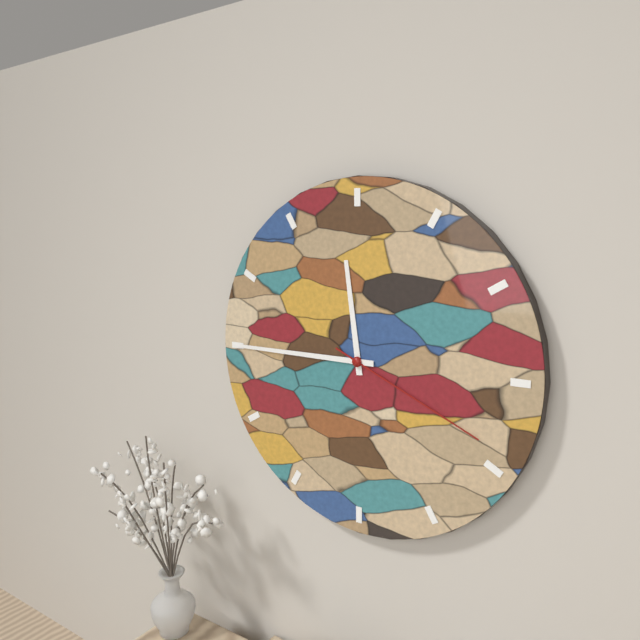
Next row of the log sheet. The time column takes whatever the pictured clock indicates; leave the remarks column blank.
11:45:19
